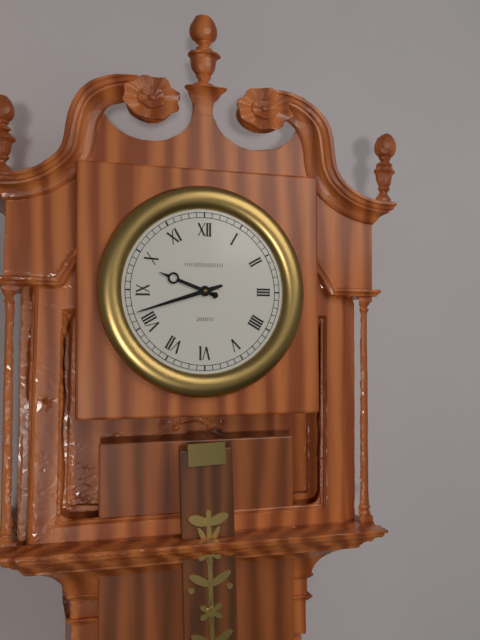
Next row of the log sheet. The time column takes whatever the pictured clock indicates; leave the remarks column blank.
9:42
